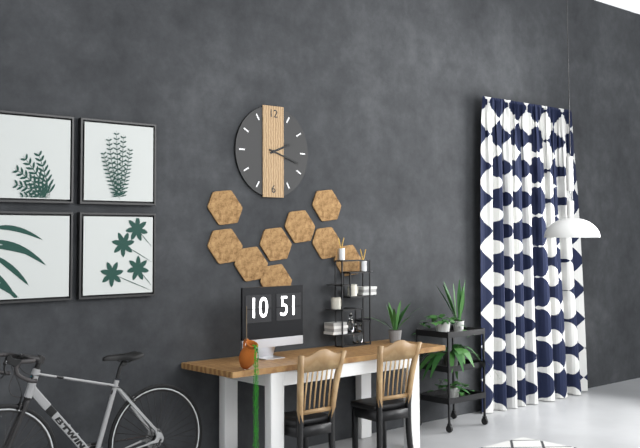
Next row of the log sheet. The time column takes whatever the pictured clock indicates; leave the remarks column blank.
2:18
